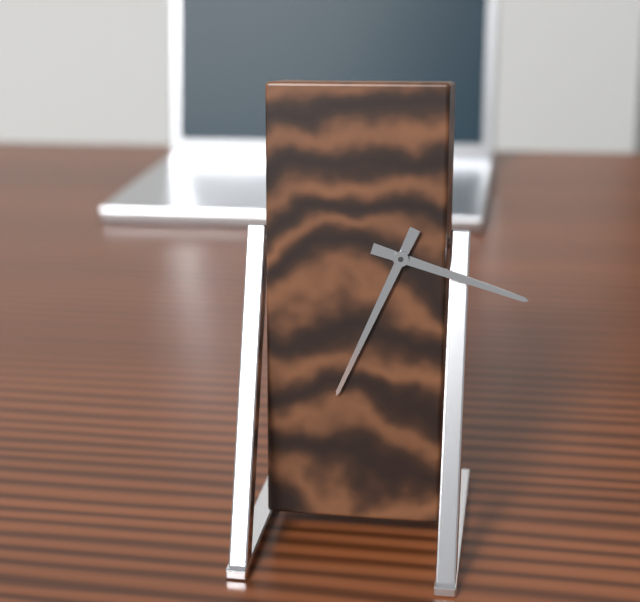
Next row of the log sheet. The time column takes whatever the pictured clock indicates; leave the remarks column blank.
3:34
